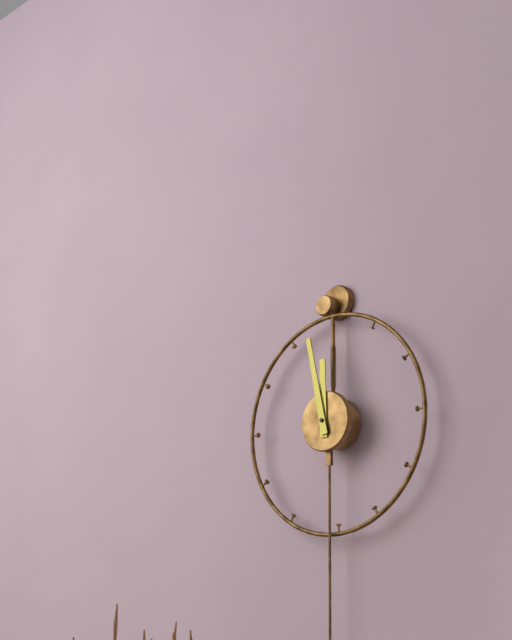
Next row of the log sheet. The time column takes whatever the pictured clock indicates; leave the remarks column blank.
11:58
